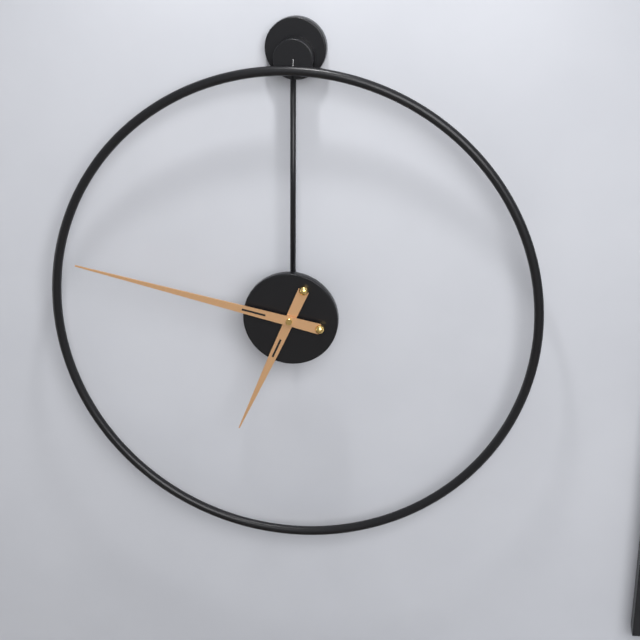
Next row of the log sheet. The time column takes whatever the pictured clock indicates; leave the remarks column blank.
6:47
